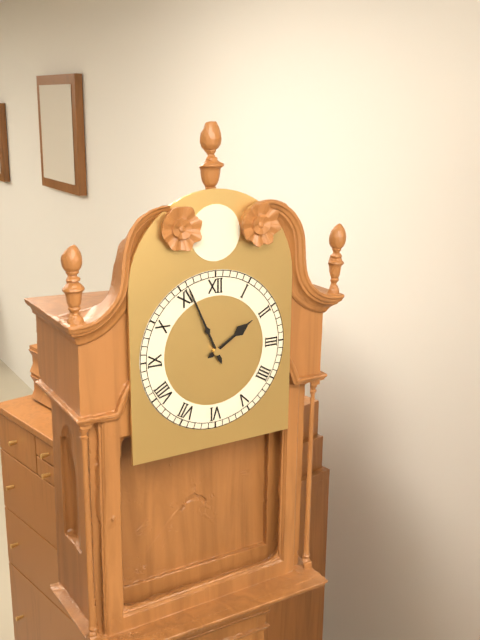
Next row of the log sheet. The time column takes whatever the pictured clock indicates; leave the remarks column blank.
1:56
